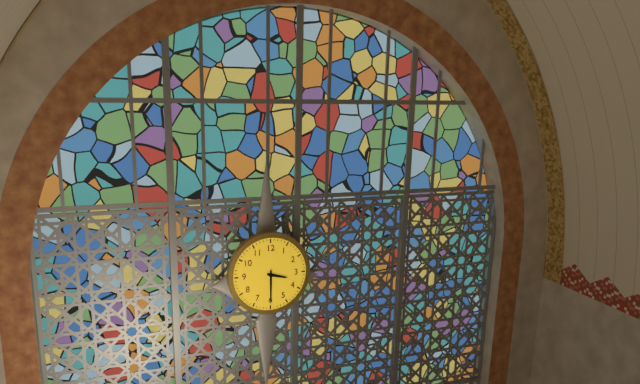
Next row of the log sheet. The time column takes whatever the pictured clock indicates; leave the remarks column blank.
3:30
